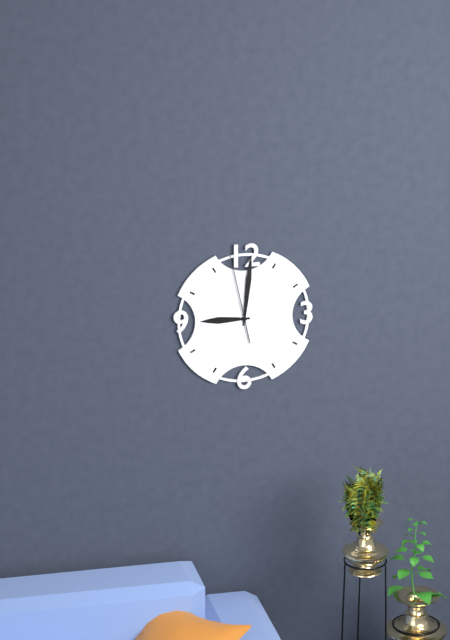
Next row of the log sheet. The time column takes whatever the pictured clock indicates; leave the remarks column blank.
9:01:58
